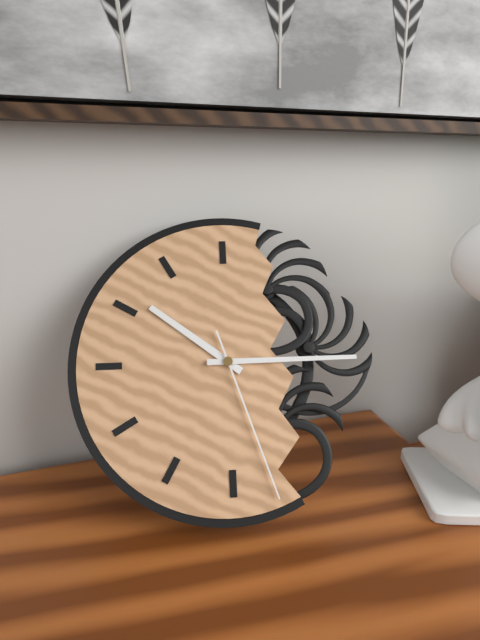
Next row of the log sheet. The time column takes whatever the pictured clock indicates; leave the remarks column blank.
10:15:27
